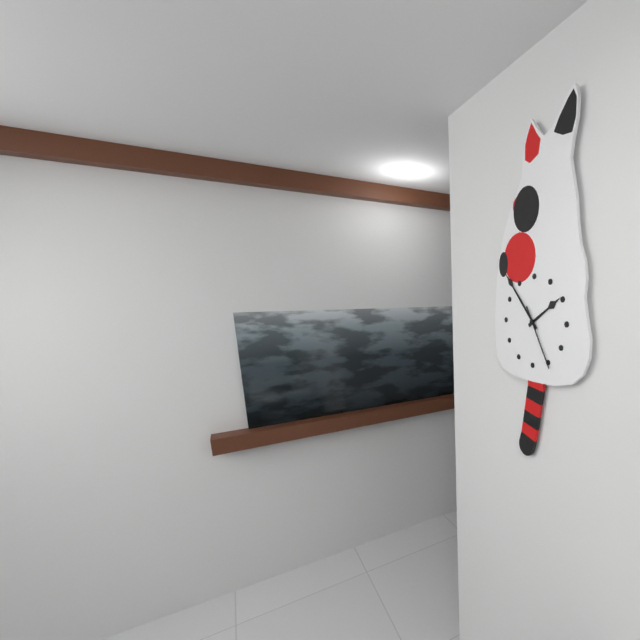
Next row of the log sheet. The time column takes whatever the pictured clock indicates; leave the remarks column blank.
1:53:25
